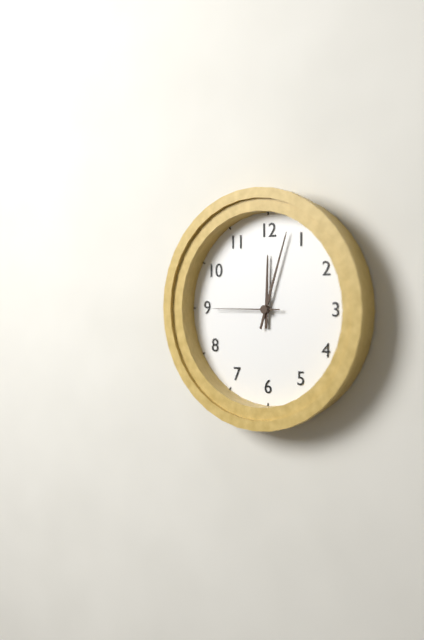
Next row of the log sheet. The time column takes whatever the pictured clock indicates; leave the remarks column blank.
12:03:45
